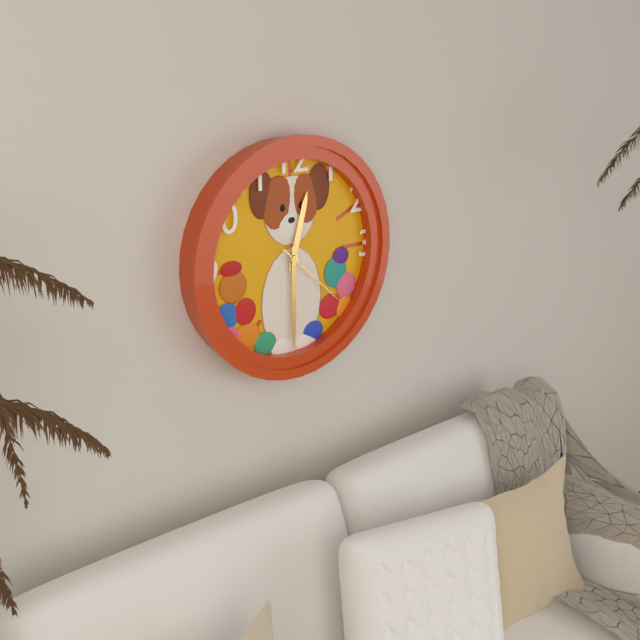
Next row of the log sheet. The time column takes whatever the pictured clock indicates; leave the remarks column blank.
12:30:22
